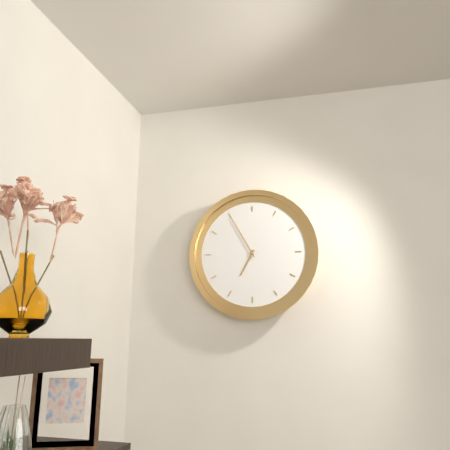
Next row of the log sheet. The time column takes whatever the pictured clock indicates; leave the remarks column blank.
6:55
